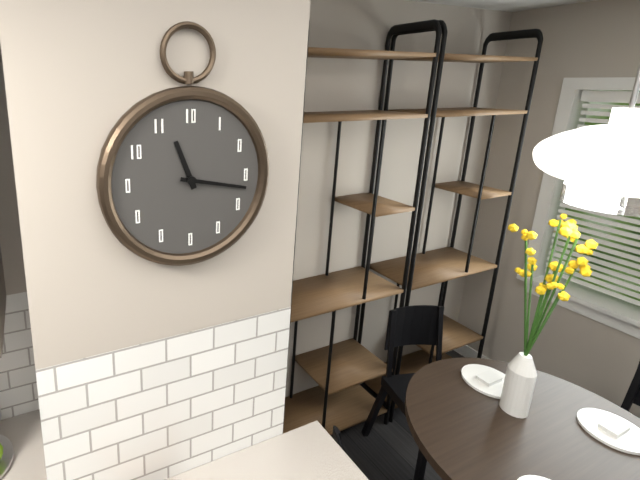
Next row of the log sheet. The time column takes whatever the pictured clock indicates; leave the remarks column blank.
11:17
